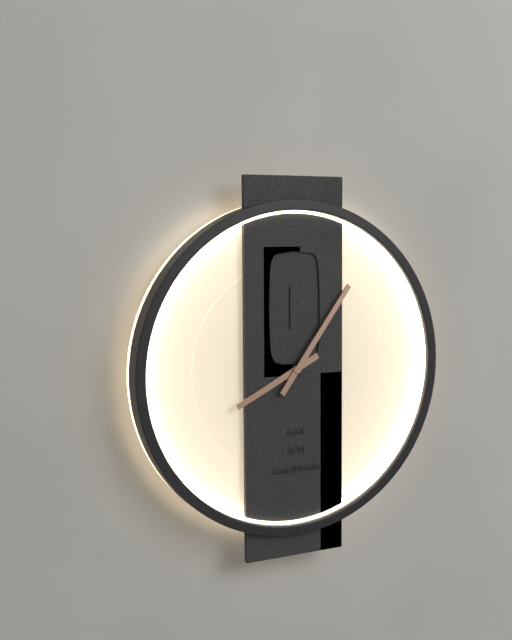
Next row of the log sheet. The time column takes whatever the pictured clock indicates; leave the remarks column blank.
8:06
